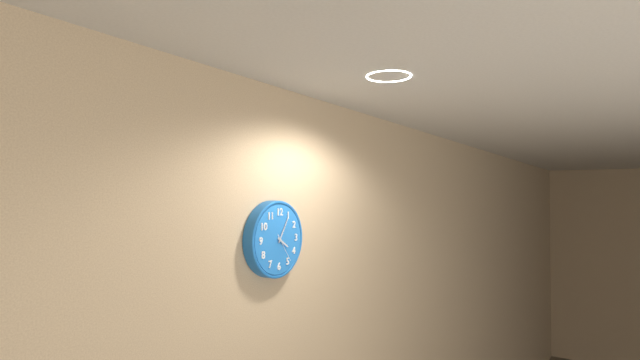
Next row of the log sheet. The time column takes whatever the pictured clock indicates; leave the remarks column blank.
4:05
